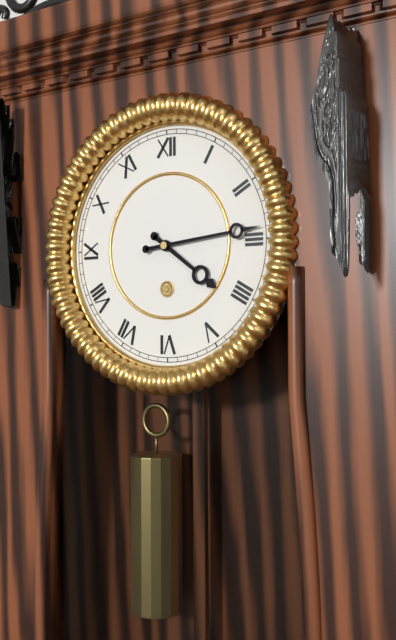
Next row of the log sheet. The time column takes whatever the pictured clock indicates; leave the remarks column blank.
4:14
